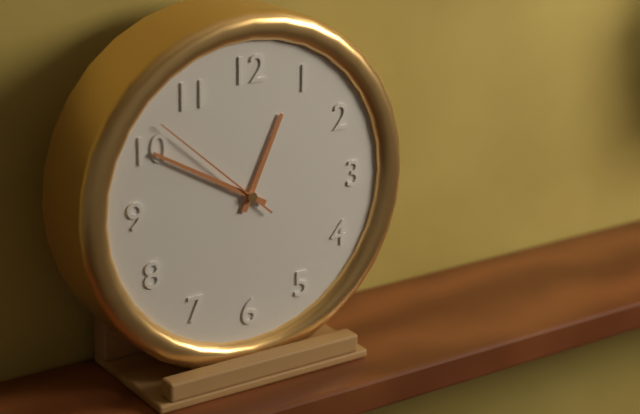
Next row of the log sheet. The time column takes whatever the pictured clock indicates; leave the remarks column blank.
12:50:52
